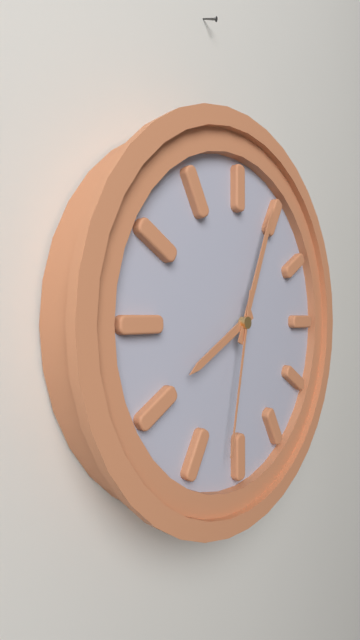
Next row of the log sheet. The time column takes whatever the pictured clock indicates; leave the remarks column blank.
8:04:32
